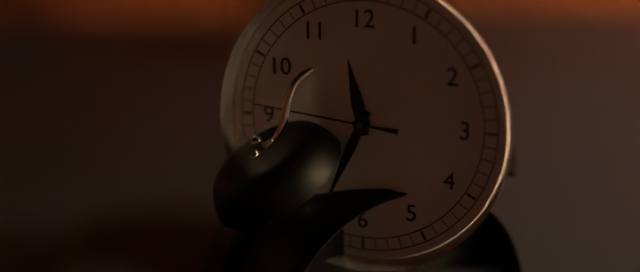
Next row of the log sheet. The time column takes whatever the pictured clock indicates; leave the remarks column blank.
11:34:46
